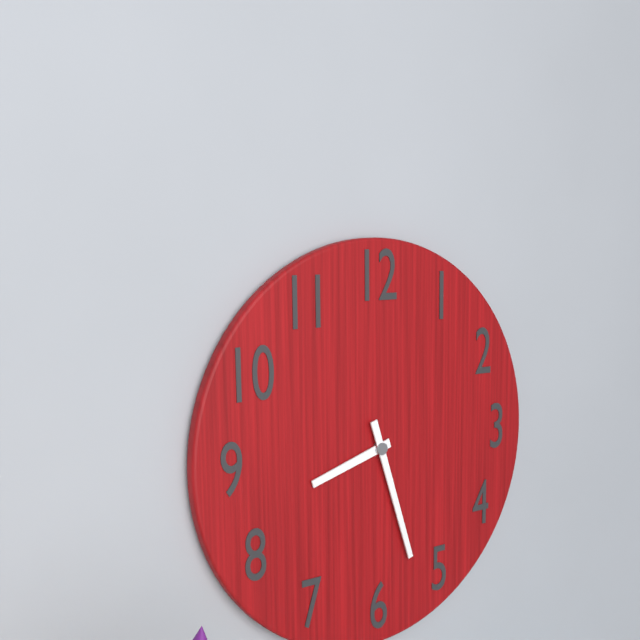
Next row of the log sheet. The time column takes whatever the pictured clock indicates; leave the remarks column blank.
8:27
